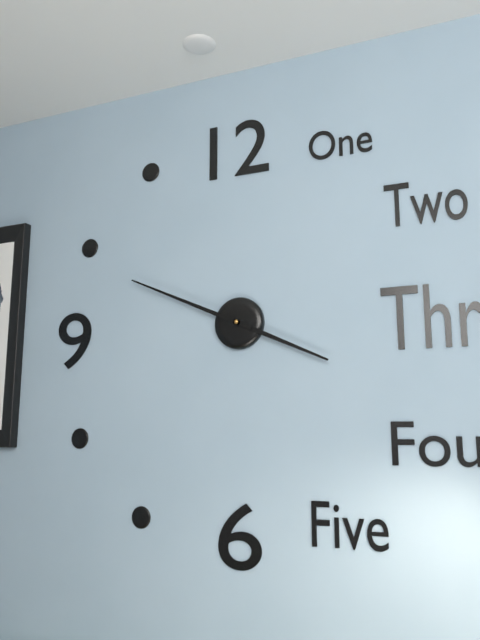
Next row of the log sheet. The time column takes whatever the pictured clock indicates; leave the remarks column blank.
3:49
